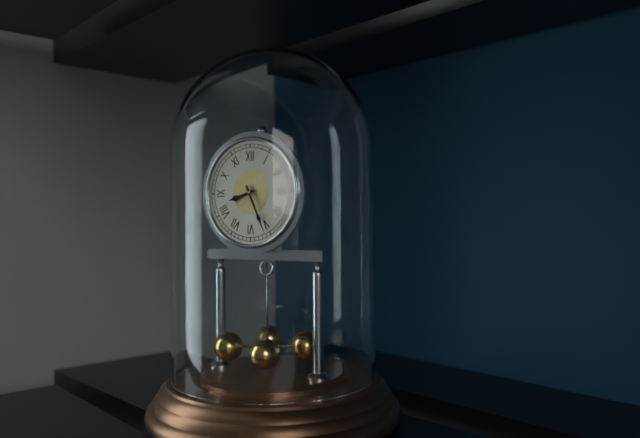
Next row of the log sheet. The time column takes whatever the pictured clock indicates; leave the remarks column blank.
8:26
